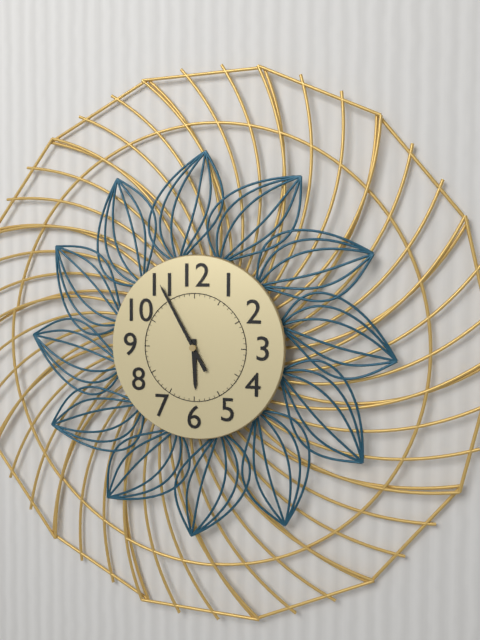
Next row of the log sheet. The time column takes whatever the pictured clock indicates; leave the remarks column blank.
5:55
